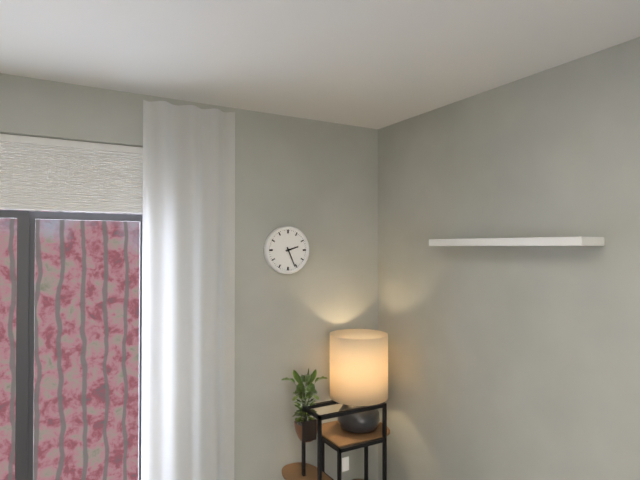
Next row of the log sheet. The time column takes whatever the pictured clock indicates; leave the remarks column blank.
2:26
